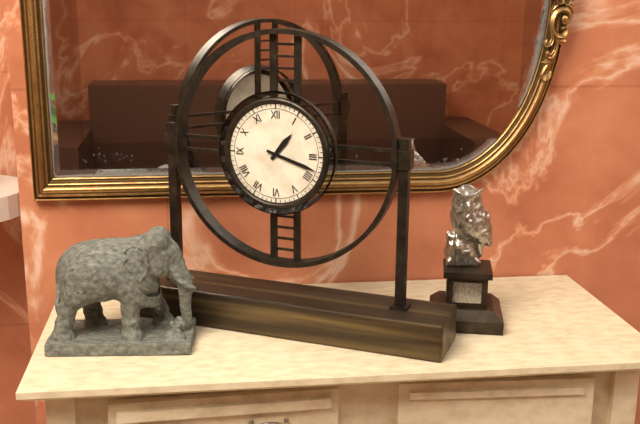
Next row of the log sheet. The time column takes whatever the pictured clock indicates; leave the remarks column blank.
1:18
